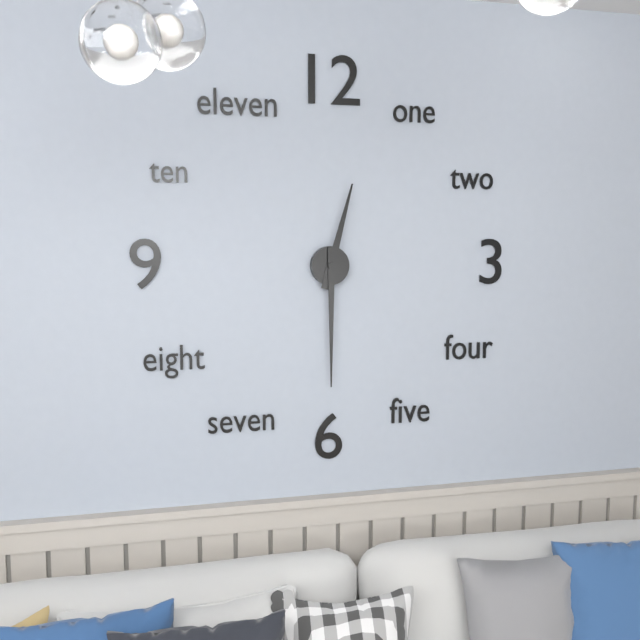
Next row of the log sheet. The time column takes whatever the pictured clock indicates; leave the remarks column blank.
12:30
